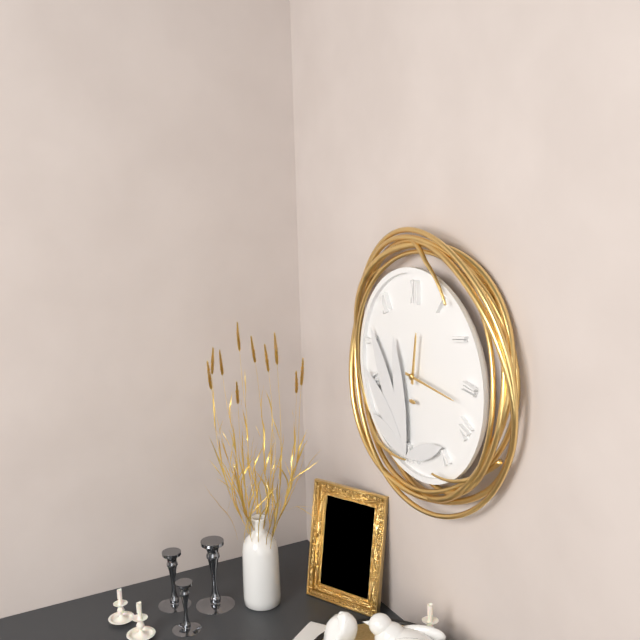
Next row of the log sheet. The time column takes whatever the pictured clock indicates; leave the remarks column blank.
12:16
